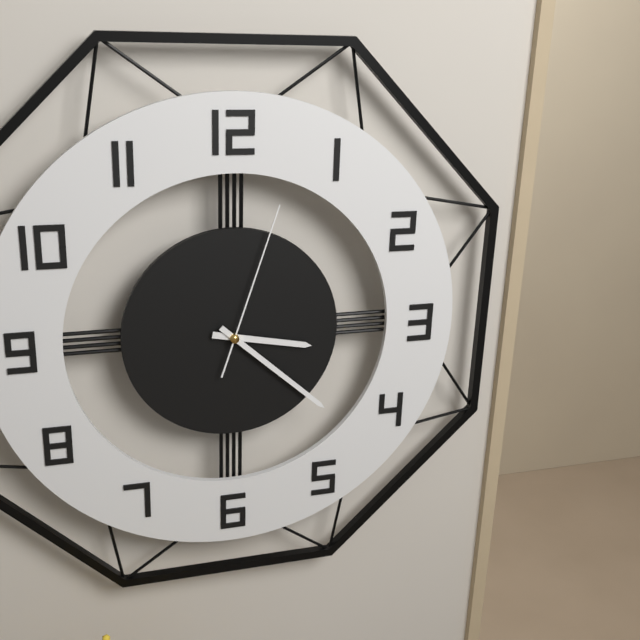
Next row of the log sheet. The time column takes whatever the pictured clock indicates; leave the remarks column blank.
3:22:03
